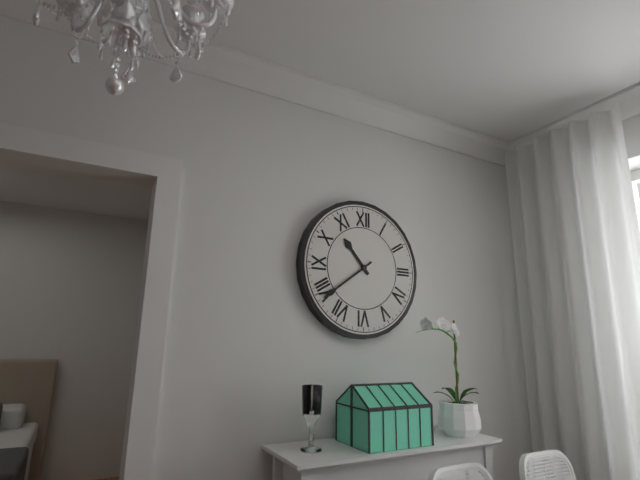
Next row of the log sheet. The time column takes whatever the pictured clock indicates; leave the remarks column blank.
10:39
